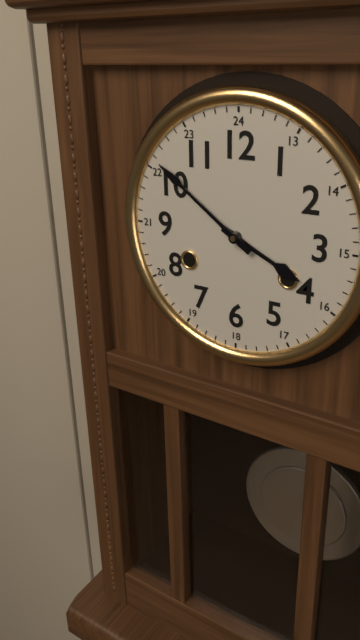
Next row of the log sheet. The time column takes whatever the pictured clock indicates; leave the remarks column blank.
3:51
